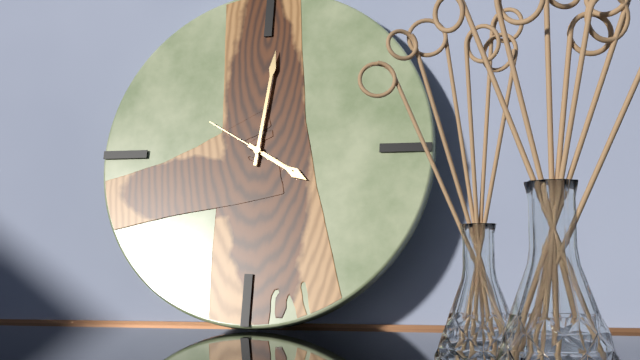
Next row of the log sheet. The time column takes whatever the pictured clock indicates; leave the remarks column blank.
4:01:50
